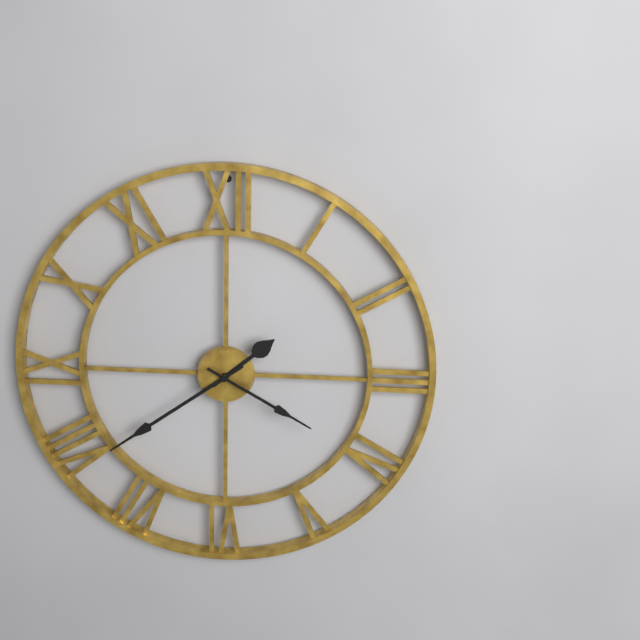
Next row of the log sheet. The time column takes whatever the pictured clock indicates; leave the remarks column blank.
1:39:20
